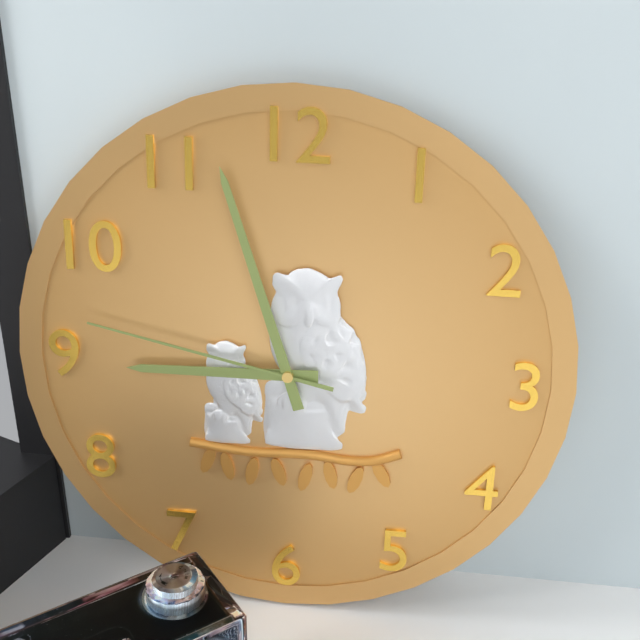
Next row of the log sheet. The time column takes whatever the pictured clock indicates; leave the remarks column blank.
8:57:47
